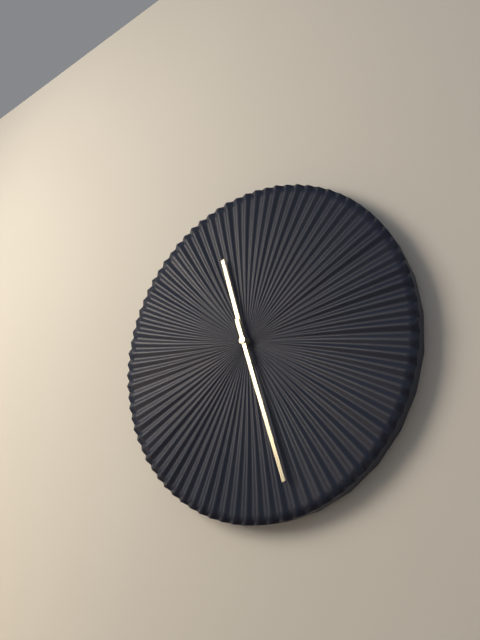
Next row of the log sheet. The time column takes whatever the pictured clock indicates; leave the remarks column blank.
11:27
